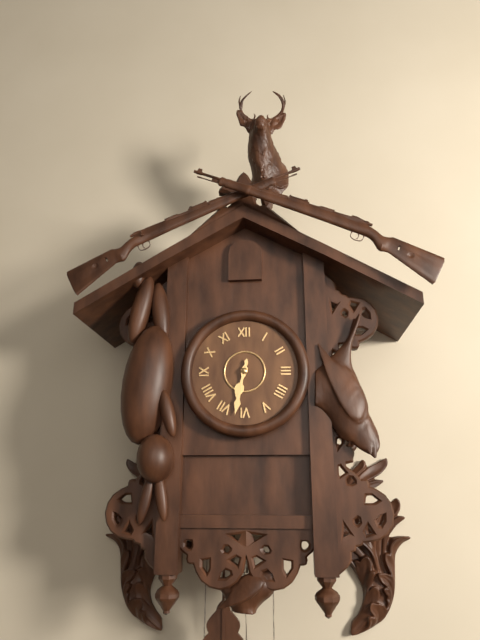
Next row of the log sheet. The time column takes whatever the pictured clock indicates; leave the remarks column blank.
6:32
